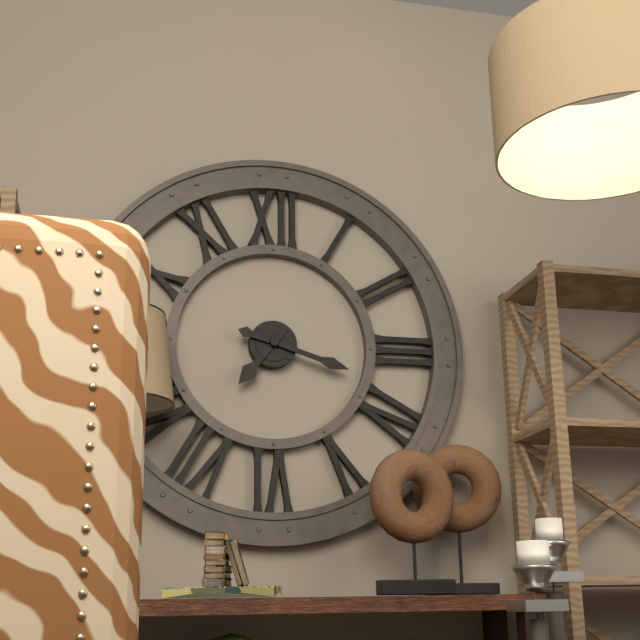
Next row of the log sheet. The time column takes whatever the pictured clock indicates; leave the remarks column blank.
7:18
